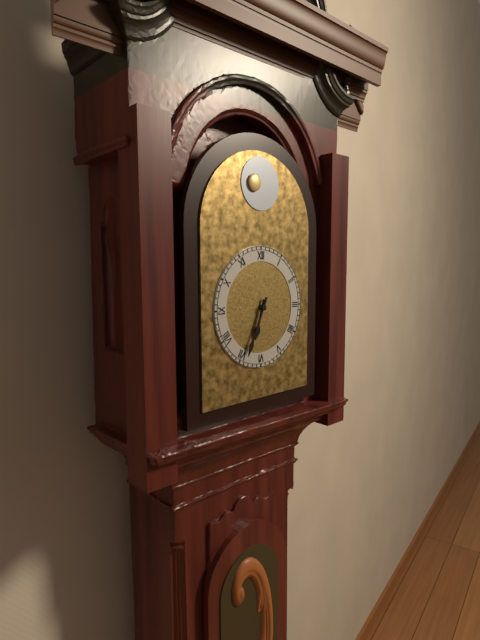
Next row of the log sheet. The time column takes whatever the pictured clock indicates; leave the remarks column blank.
6:34
